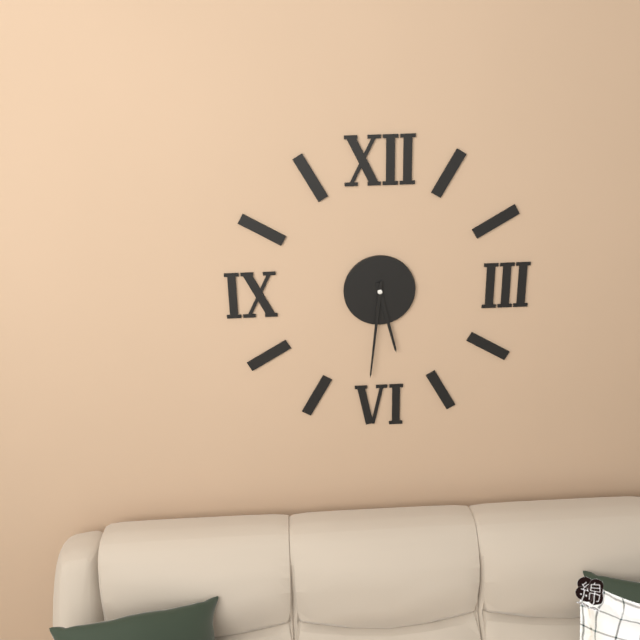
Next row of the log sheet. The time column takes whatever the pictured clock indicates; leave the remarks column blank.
5:31
